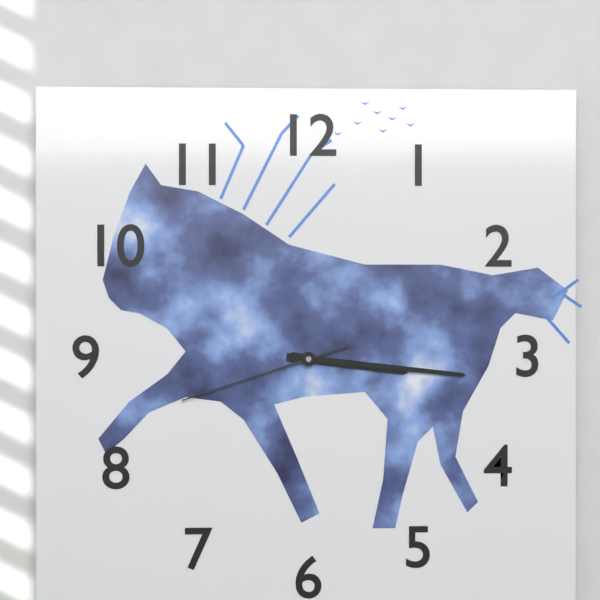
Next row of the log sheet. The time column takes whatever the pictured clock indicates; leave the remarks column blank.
3:16:42
